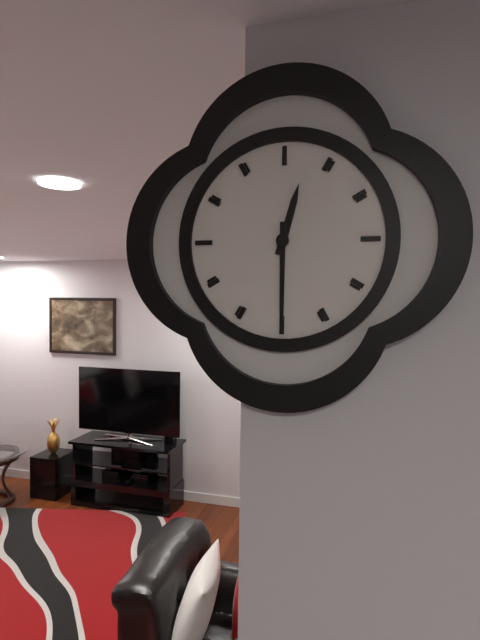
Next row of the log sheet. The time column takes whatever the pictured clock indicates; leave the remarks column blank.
12:30
